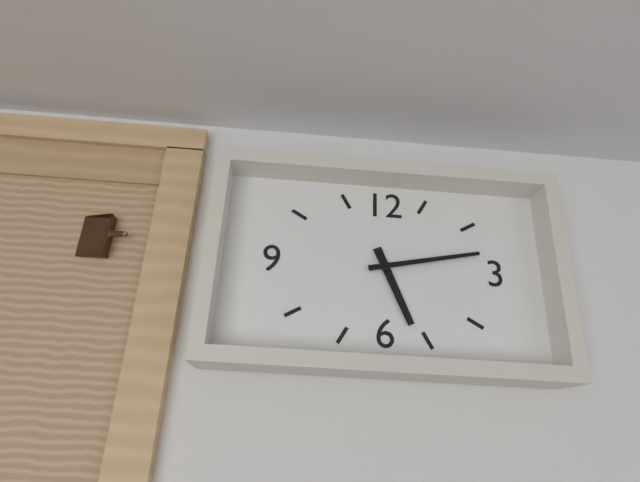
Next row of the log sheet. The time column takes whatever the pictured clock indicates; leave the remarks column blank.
5:13
